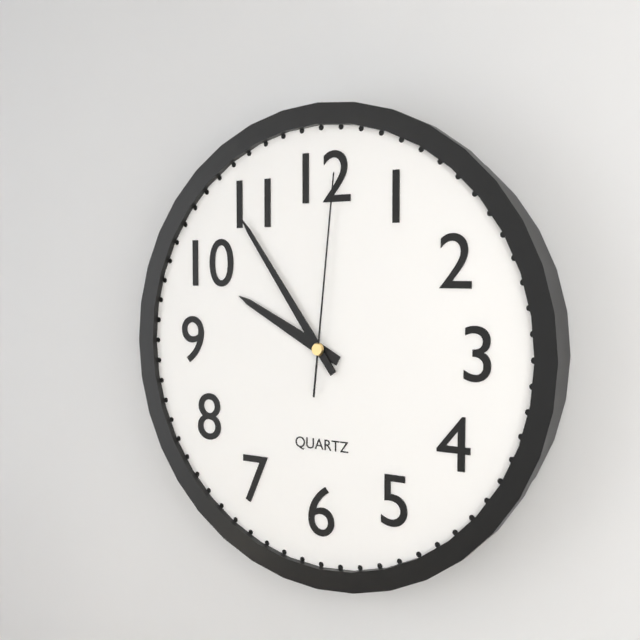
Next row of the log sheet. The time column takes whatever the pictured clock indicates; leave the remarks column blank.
9:54:01
